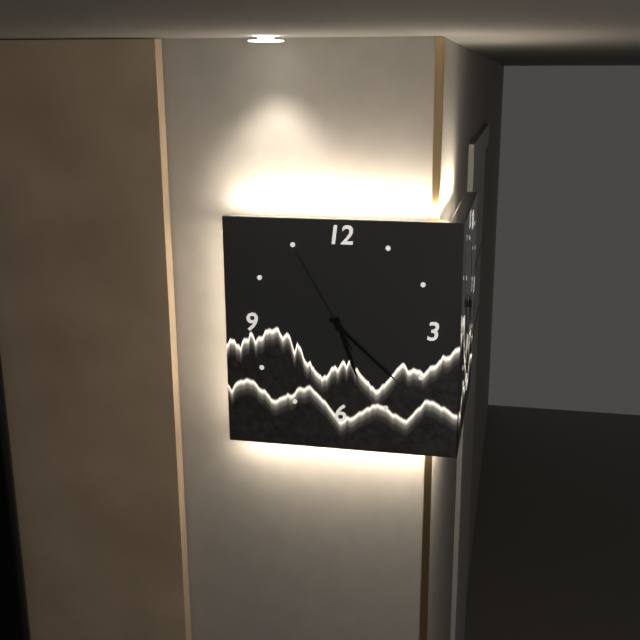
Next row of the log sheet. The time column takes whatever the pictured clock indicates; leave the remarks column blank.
5:22:55
